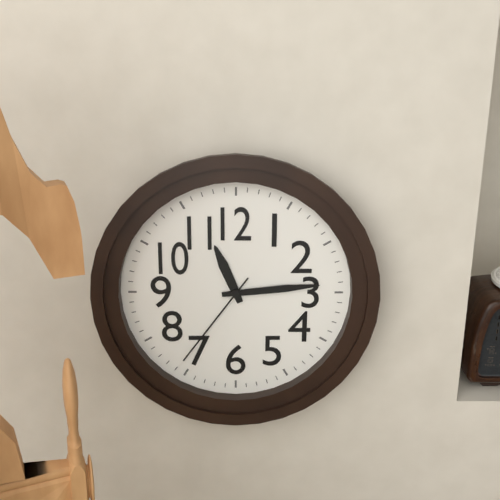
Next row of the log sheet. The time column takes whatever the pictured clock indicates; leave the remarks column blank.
11:14:36
